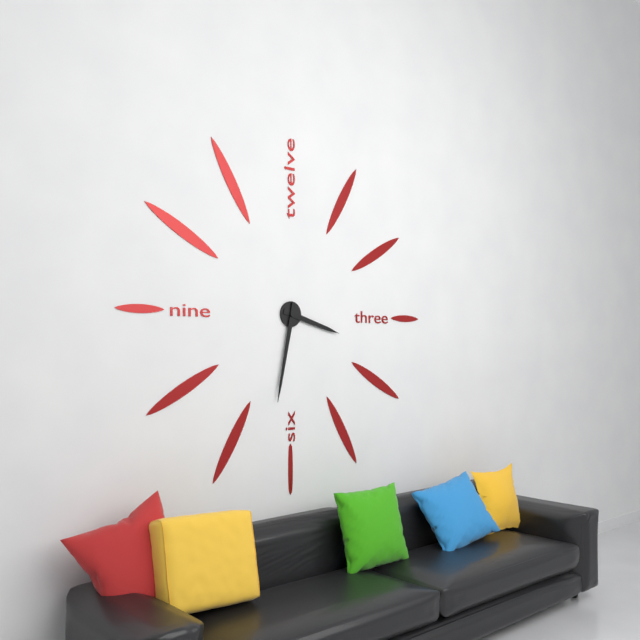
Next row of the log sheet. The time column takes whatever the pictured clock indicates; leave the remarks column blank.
3:32
